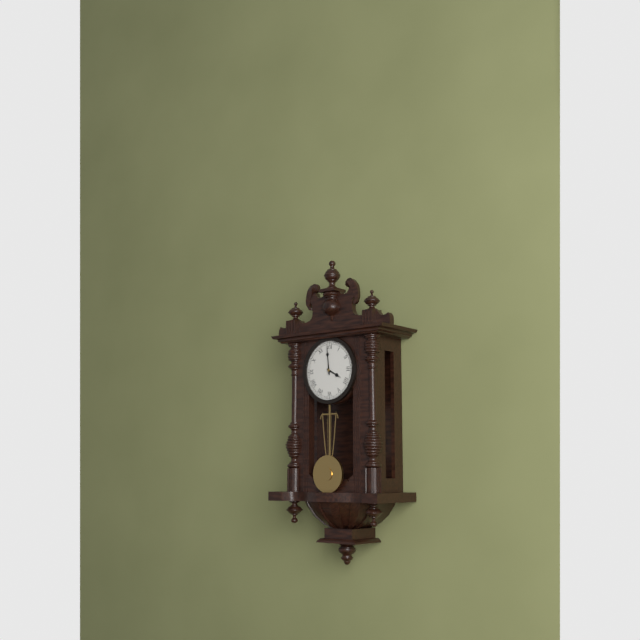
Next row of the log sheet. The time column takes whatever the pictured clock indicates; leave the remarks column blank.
3:59
